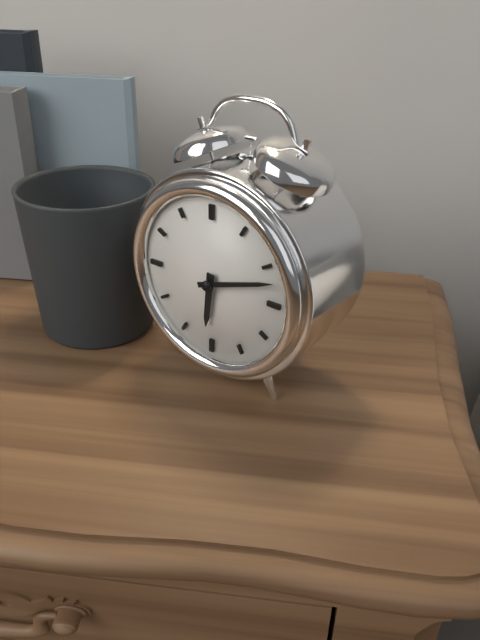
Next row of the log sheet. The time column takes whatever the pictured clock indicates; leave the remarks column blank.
6:12
